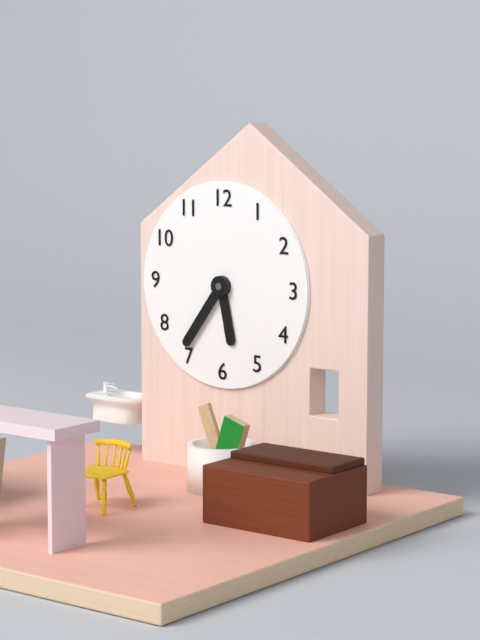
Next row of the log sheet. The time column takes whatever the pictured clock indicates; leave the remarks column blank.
5:36
